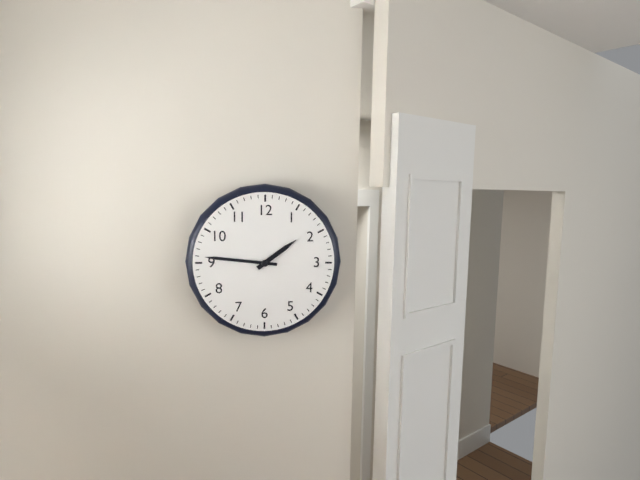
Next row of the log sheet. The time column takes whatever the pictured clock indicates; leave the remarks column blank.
1:46
